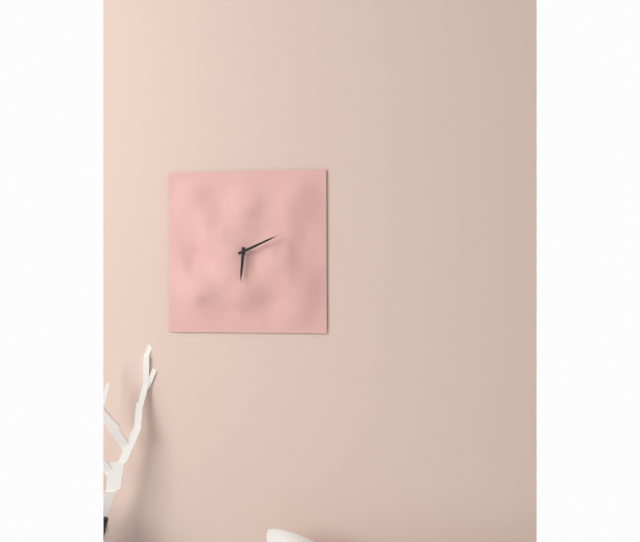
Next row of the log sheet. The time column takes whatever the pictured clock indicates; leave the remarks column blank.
6:11
